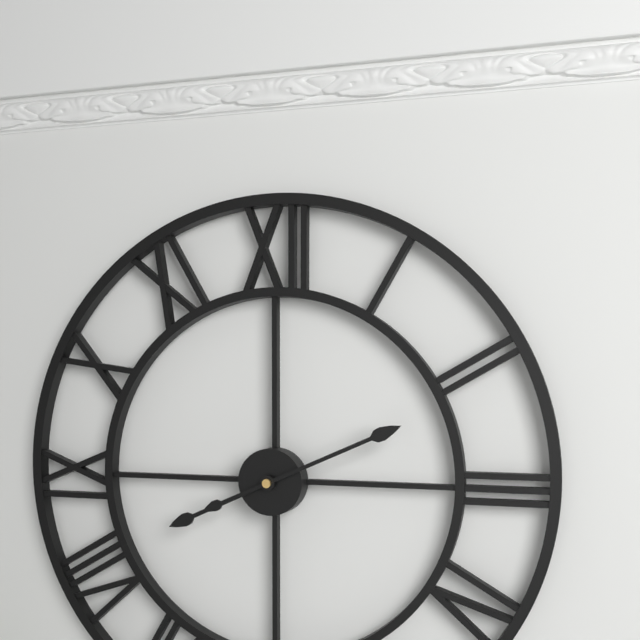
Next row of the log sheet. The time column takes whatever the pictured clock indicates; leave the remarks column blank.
8:11
